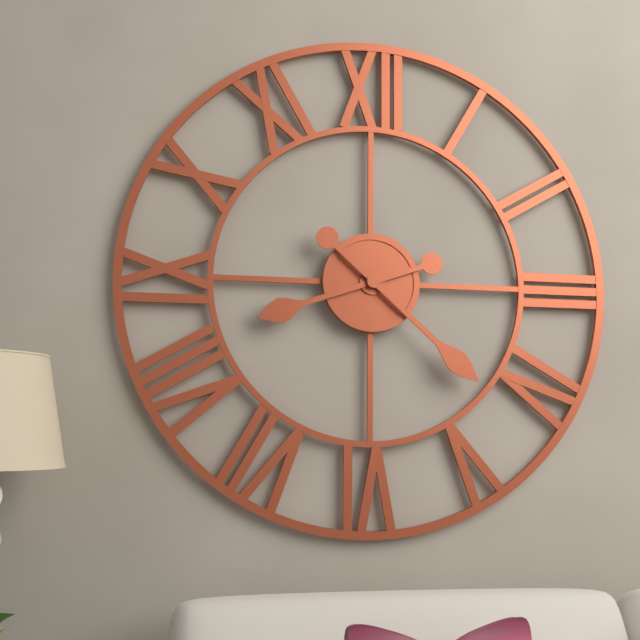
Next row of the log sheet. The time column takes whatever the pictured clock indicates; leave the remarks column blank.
8:22
